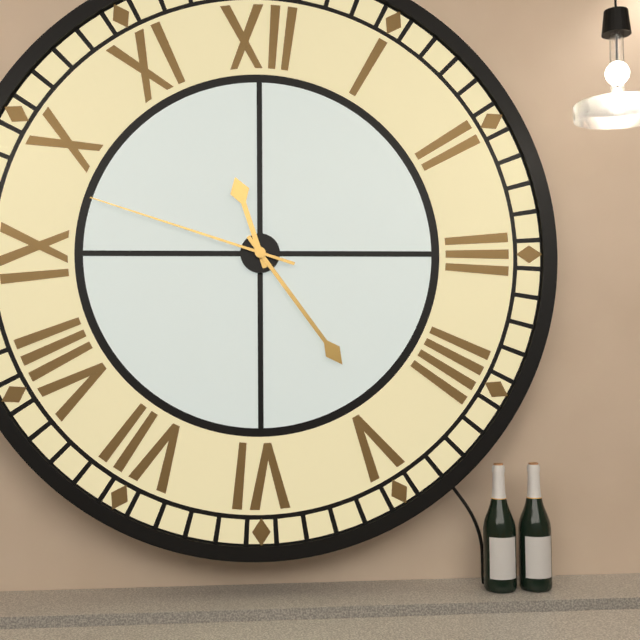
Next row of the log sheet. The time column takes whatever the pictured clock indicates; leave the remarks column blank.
11:24:48
